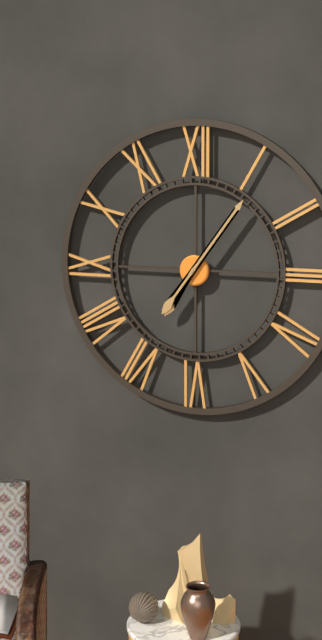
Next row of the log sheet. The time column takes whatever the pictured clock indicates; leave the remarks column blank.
7:06
